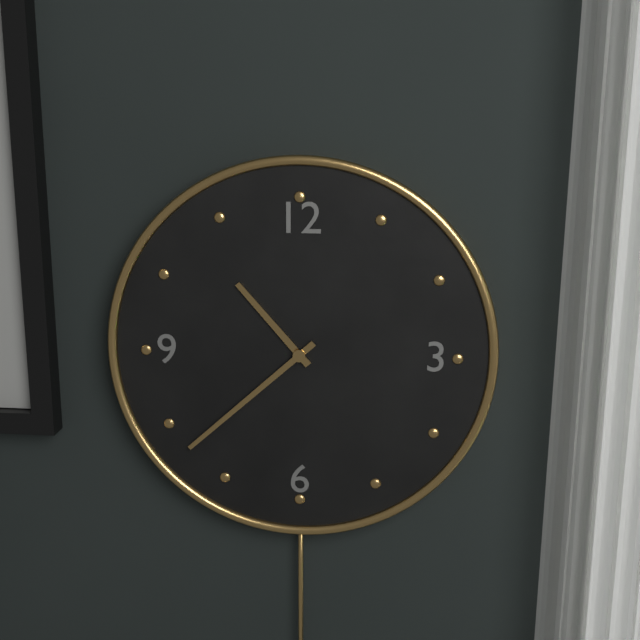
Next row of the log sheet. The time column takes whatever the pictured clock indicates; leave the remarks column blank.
10:38
